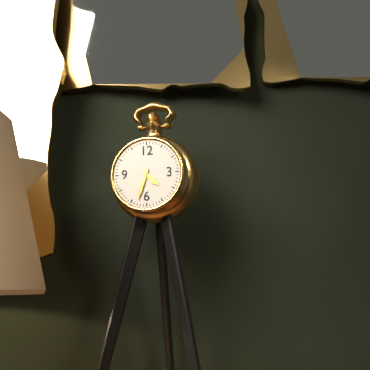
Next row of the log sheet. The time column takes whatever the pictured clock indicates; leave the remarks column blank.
4:33
